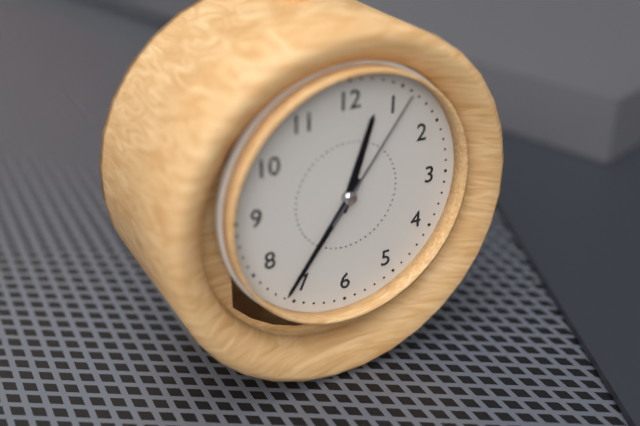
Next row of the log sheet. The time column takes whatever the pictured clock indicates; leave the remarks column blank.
12:36:06
